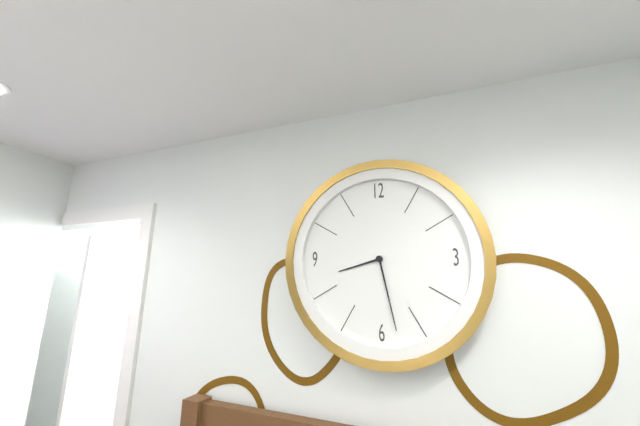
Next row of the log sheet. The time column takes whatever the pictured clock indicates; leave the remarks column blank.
8:28
